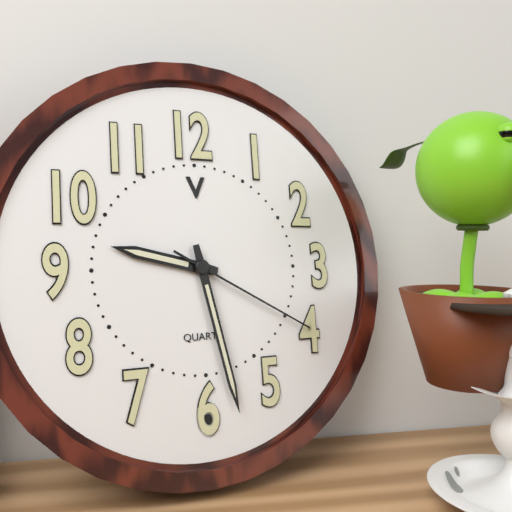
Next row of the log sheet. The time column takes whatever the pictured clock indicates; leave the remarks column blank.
9:28:20
